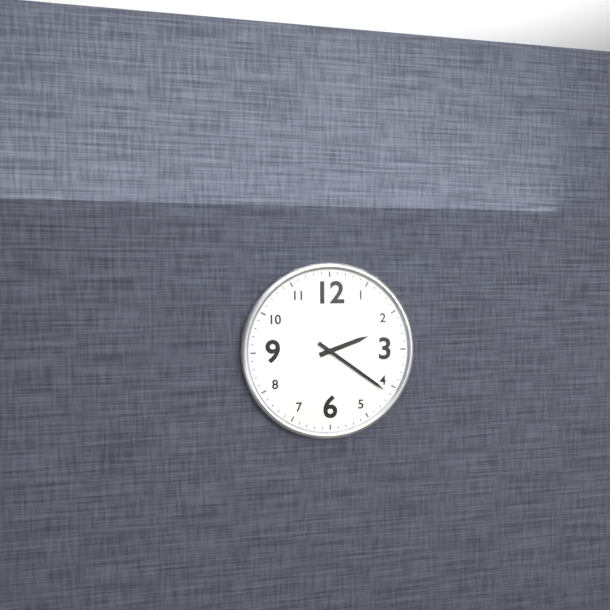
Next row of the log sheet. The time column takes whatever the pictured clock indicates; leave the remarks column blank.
2:21
